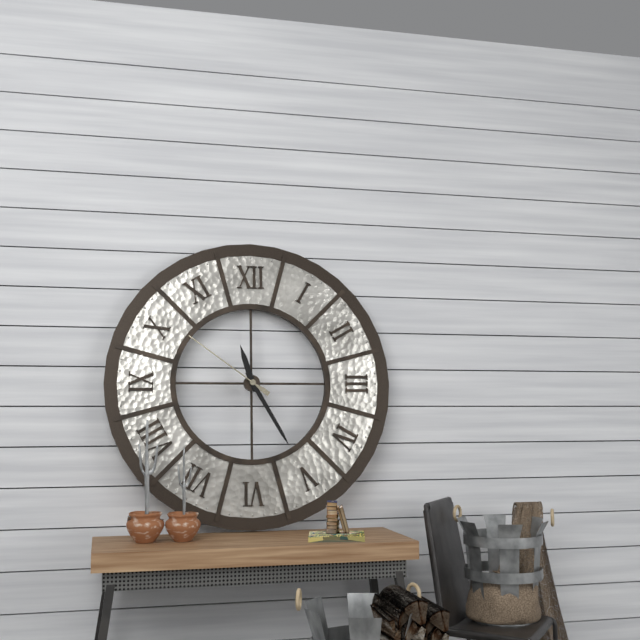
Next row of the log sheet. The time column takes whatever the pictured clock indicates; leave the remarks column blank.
11:25:51
